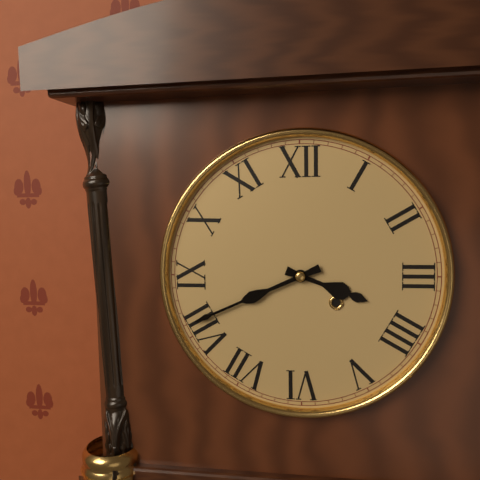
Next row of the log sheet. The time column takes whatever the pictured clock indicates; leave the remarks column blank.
3:41
